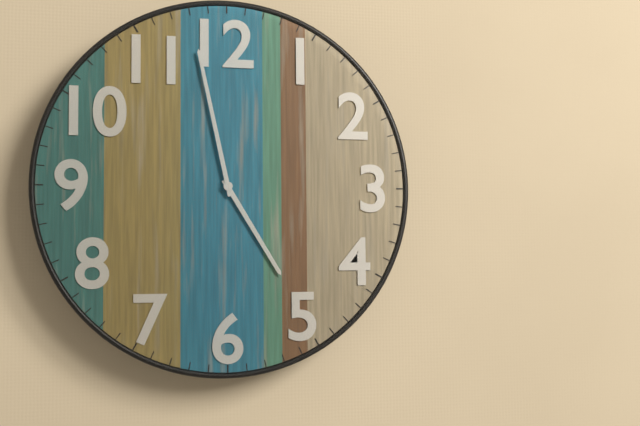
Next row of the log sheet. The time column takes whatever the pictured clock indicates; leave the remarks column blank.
4:58
